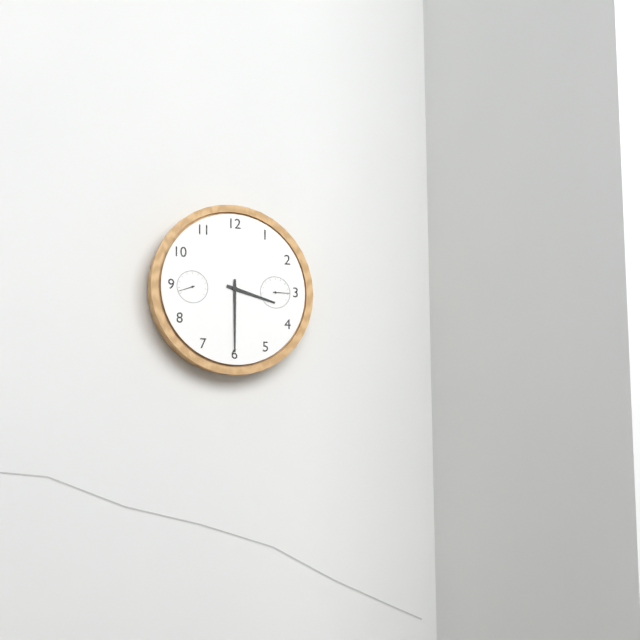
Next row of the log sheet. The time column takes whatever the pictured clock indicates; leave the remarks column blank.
3:30
